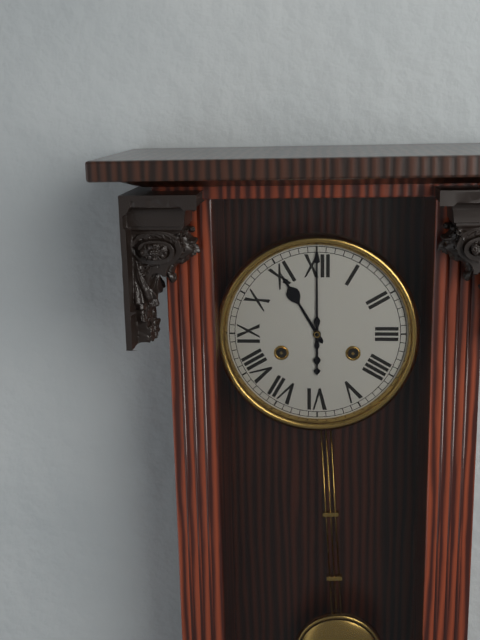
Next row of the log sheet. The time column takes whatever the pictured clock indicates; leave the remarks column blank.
11:00
